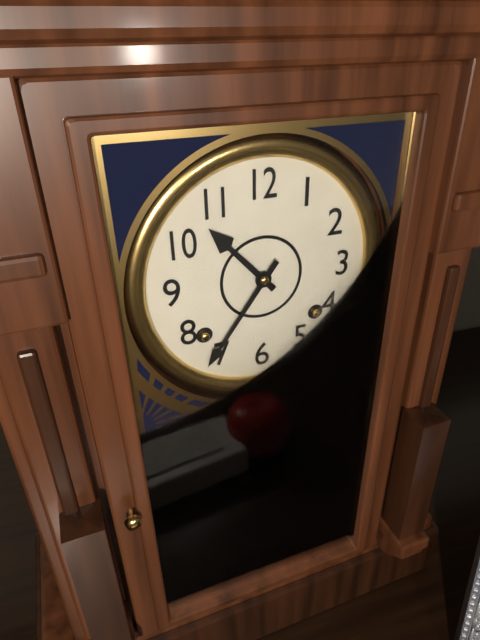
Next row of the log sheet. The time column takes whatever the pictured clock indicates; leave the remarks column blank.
10:36
